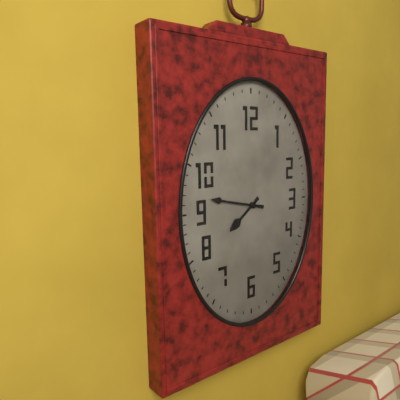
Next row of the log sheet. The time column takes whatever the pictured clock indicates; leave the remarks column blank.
7:47
